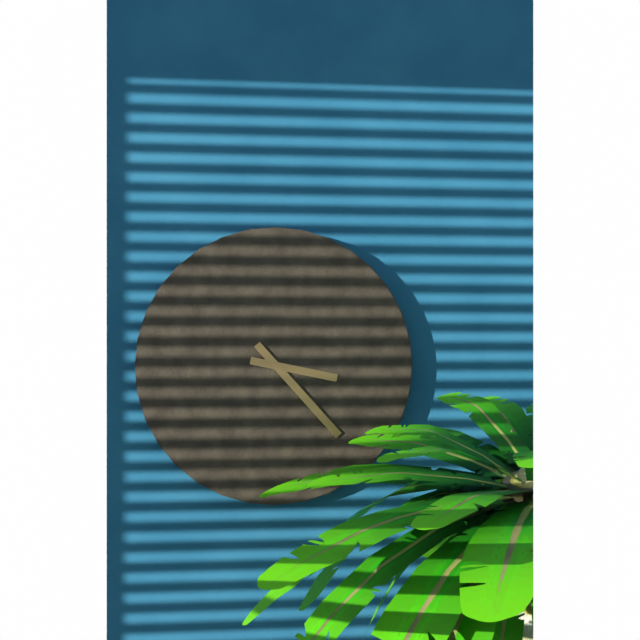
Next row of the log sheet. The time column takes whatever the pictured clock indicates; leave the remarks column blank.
3:23
